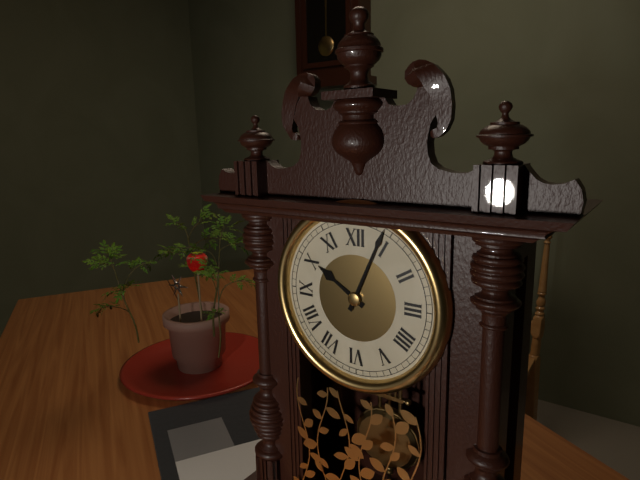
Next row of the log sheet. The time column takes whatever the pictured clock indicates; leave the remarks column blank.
10:04
